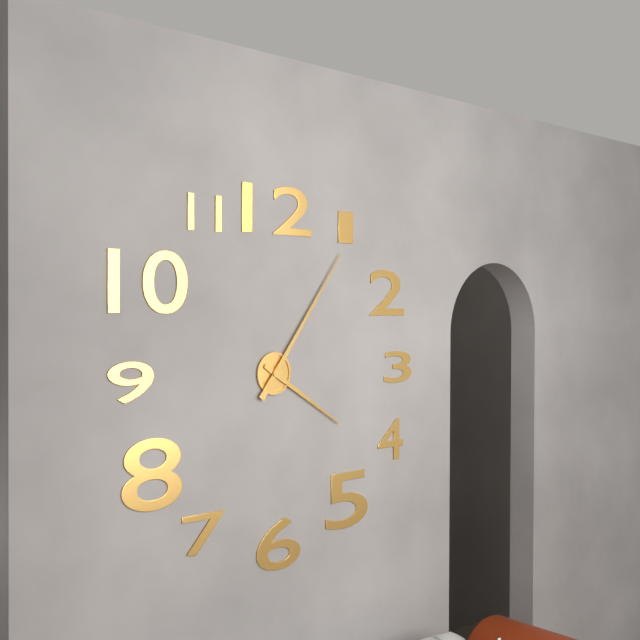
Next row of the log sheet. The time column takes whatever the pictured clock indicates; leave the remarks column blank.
4:06
